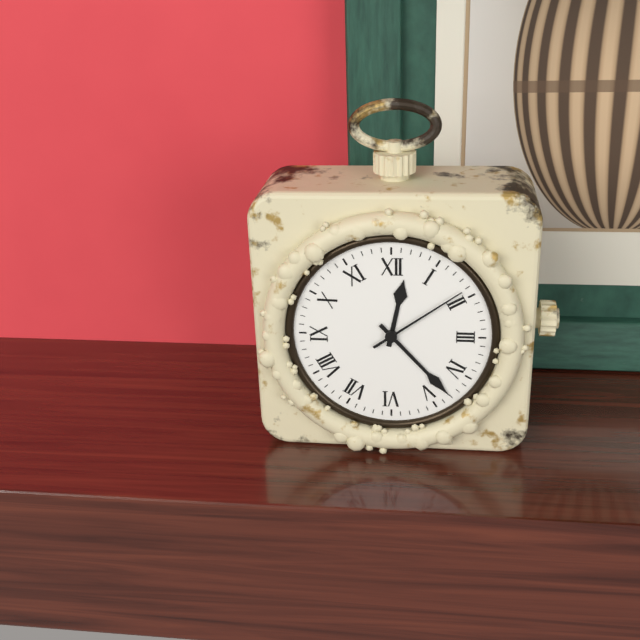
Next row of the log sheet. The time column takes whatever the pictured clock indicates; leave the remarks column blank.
12:23:09
